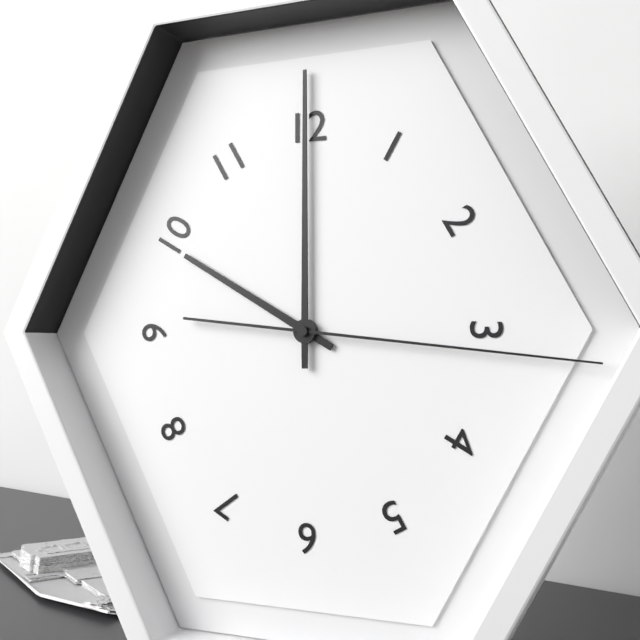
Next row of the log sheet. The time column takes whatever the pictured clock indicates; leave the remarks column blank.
10:00:16
